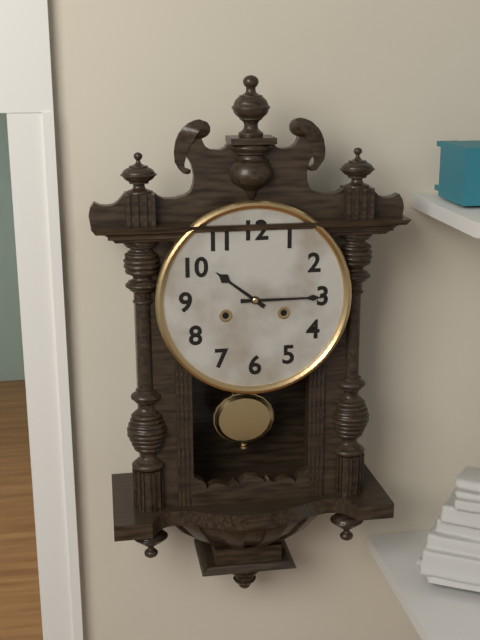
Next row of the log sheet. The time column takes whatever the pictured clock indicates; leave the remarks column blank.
10:15
